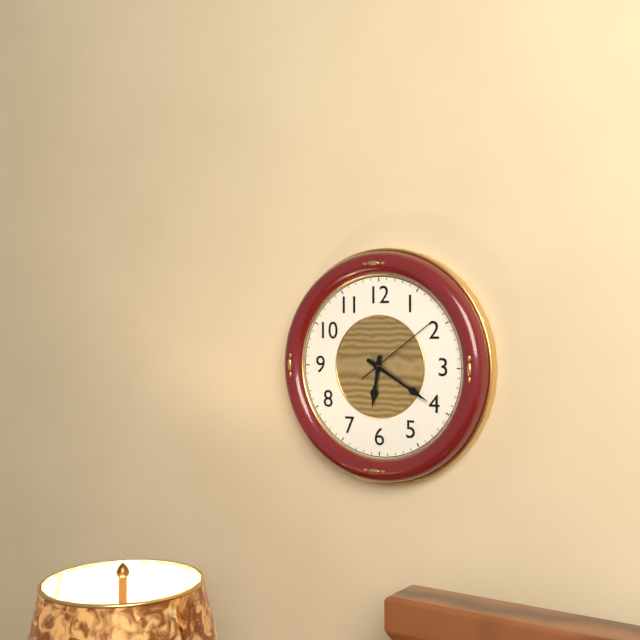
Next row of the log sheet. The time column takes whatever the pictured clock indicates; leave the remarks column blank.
6:20:09
